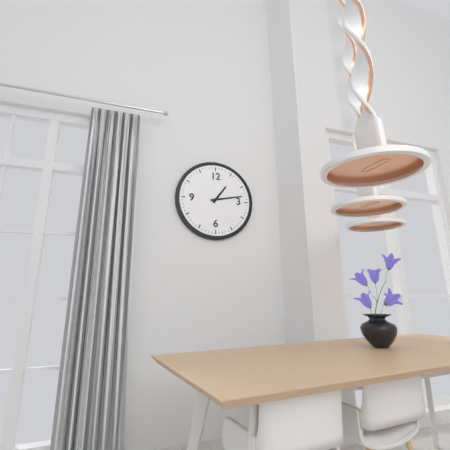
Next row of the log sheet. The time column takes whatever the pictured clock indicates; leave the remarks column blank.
1:13
